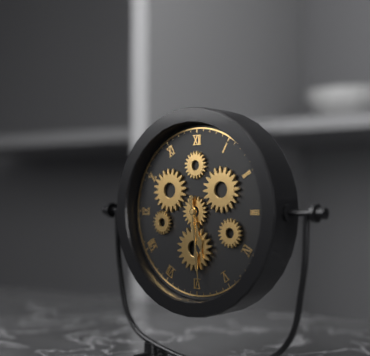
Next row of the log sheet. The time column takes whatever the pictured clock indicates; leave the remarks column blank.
5:29
